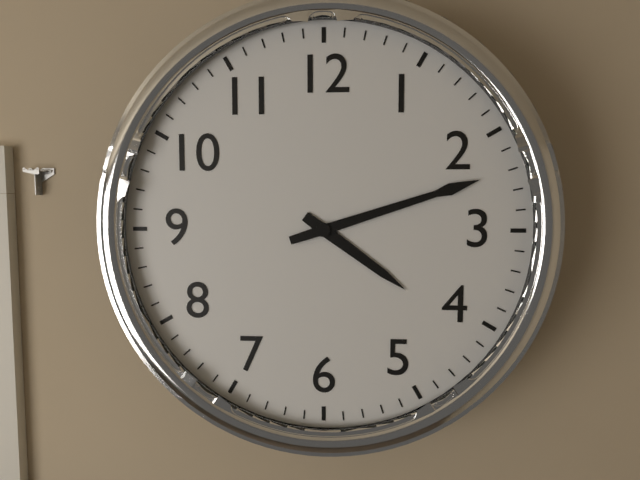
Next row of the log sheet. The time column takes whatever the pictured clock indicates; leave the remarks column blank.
4:12
